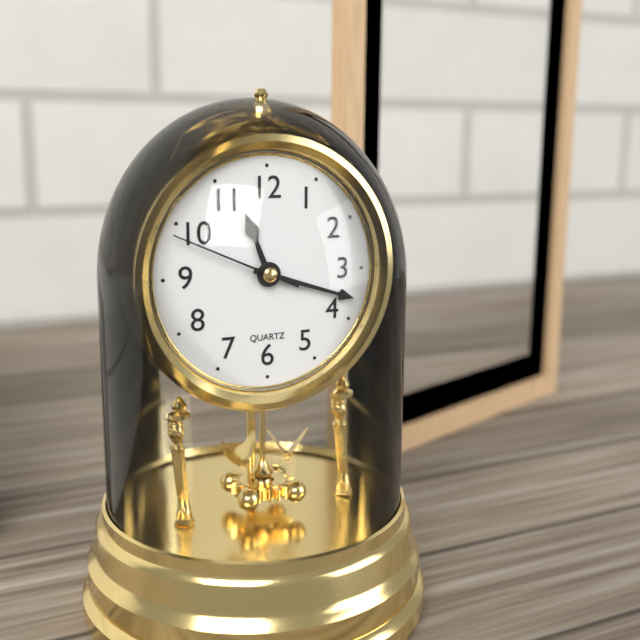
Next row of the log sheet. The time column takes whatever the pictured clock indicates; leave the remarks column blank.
11:18:49
